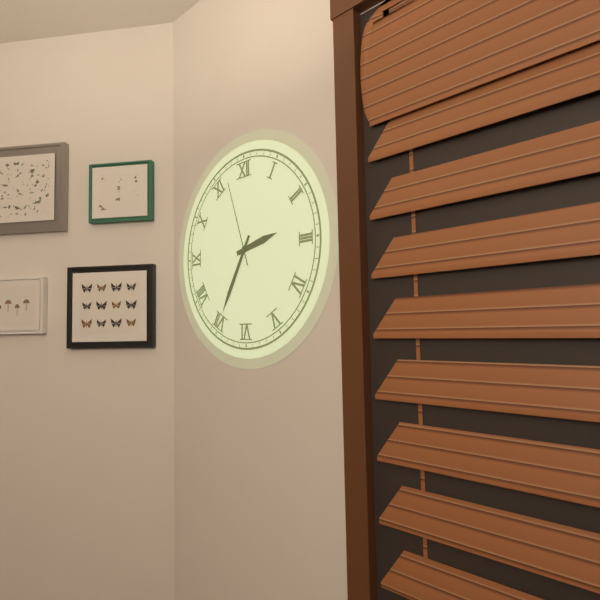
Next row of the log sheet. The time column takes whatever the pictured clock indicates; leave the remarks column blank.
2:35:57
